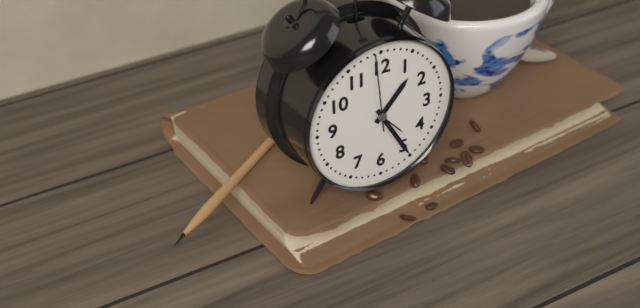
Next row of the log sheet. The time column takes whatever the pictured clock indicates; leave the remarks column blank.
1:25:59
